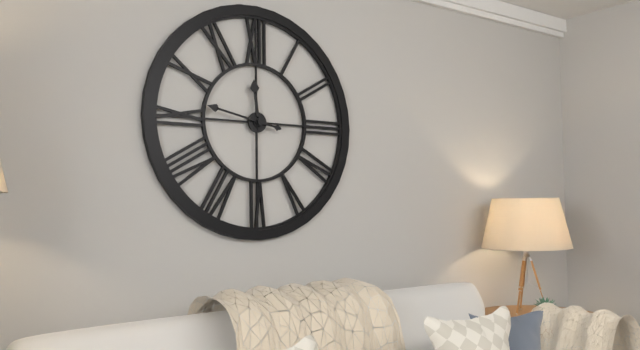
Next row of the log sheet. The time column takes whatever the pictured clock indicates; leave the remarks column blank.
11:47
